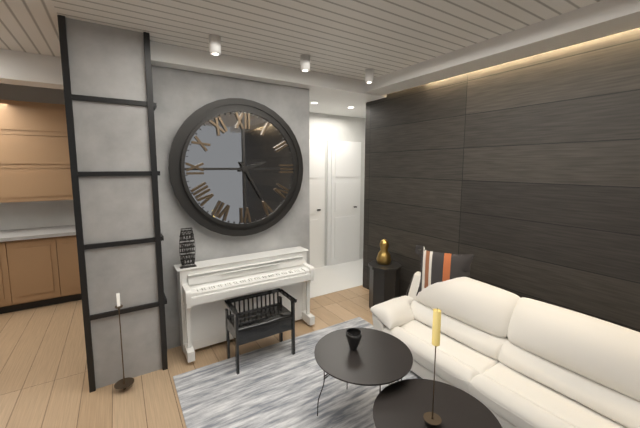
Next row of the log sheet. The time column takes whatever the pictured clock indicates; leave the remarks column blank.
2:25
